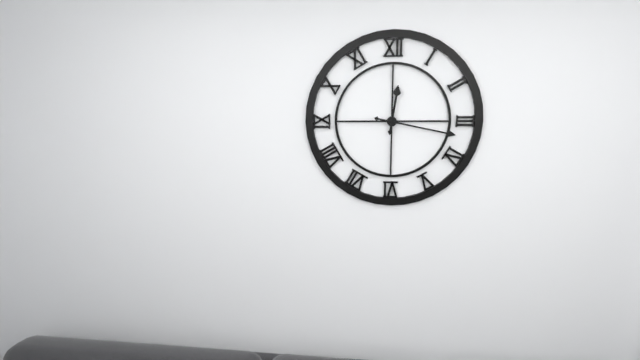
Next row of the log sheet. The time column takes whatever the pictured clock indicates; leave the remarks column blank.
12:17
